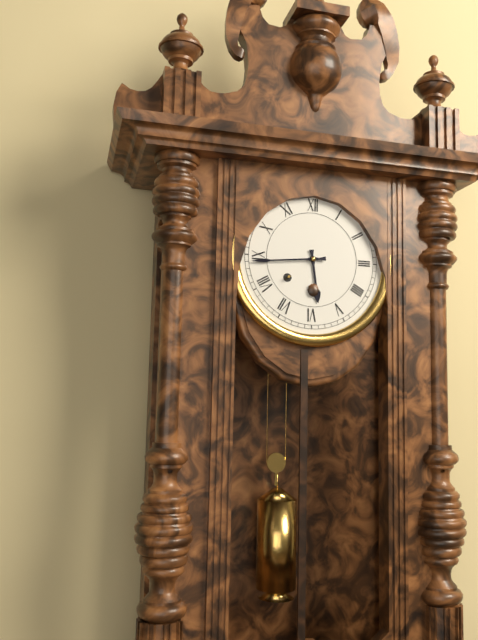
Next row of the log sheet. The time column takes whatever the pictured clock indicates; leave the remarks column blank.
5:44
